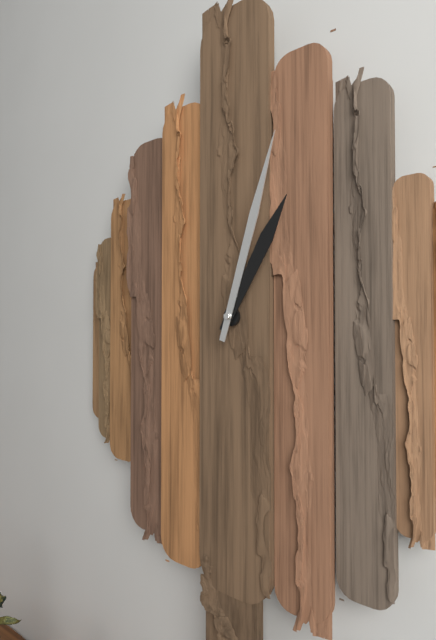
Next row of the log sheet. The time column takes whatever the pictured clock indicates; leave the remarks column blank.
1:03
